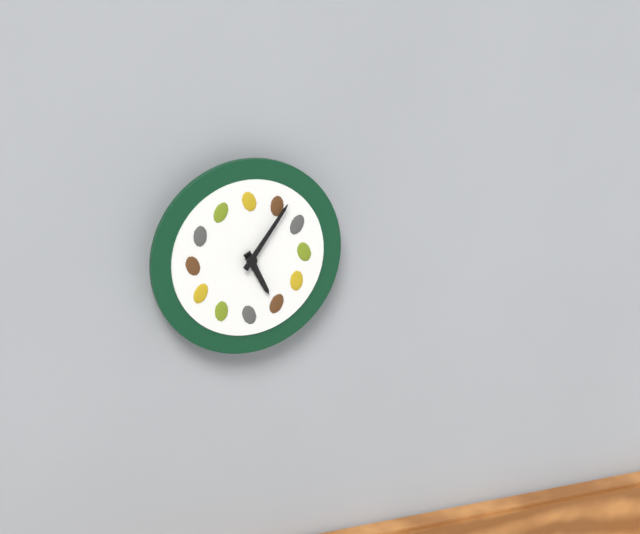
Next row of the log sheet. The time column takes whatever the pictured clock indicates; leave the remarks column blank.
5:06
